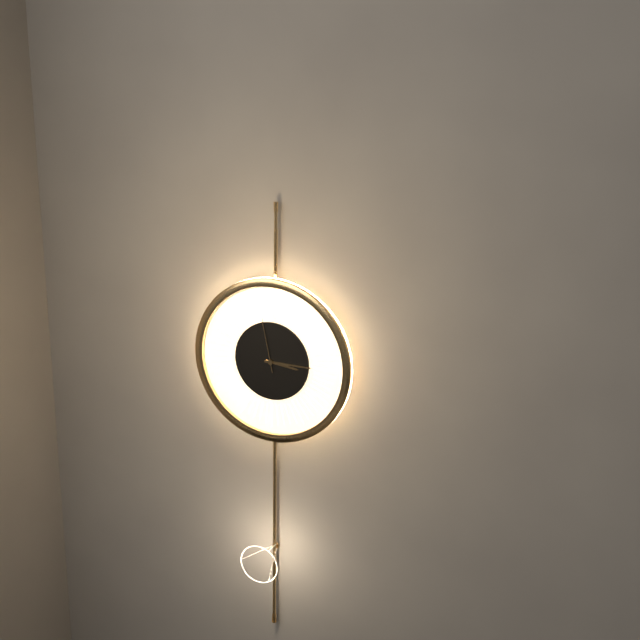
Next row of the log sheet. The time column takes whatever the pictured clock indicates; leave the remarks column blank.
3:15:58
